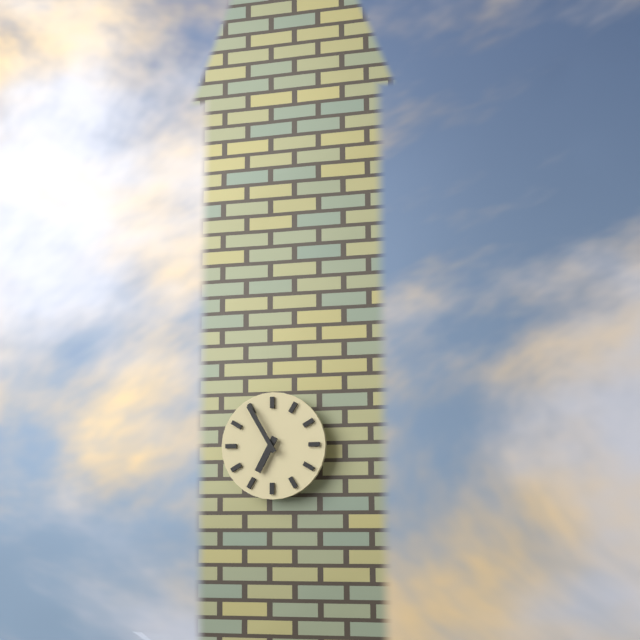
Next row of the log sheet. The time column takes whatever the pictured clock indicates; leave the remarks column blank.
6:55
